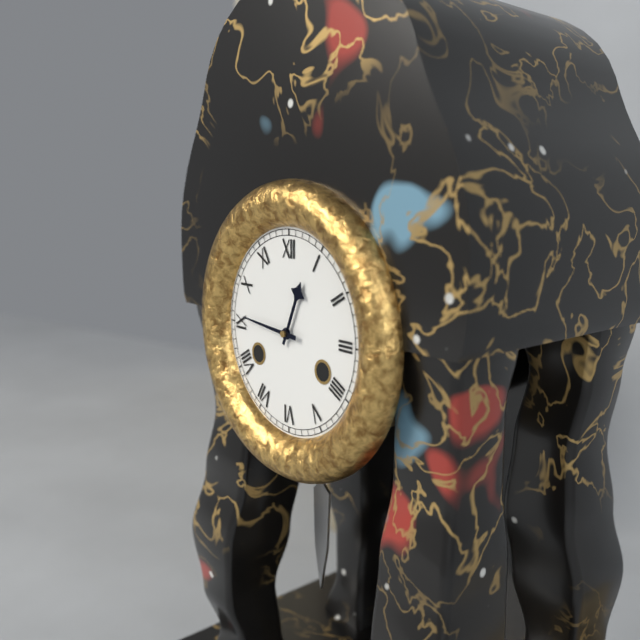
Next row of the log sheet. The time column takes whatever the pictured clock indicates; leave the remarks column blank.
12:46
